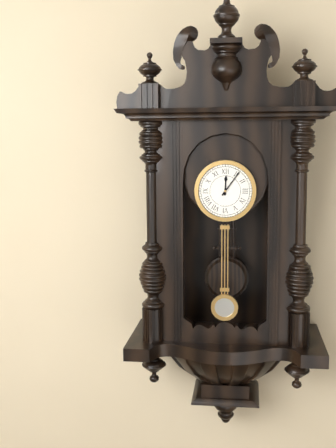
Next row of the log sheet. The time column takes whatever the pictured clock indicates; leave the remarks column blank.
12:06
